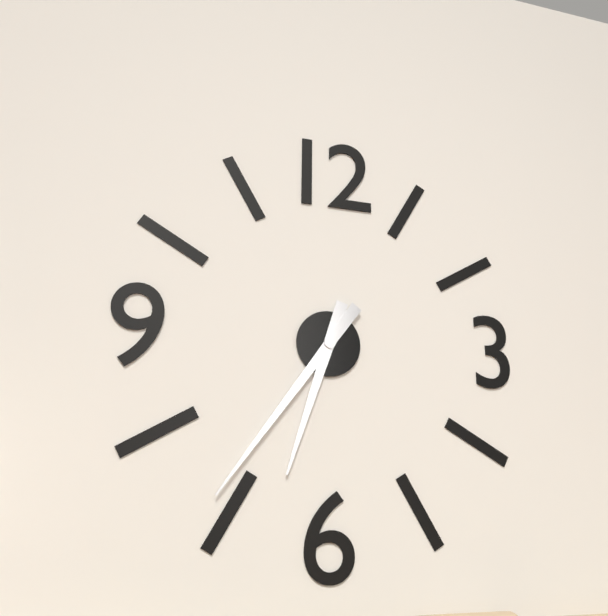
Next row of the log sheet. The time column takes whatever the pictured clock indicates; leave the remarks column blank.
6:36
